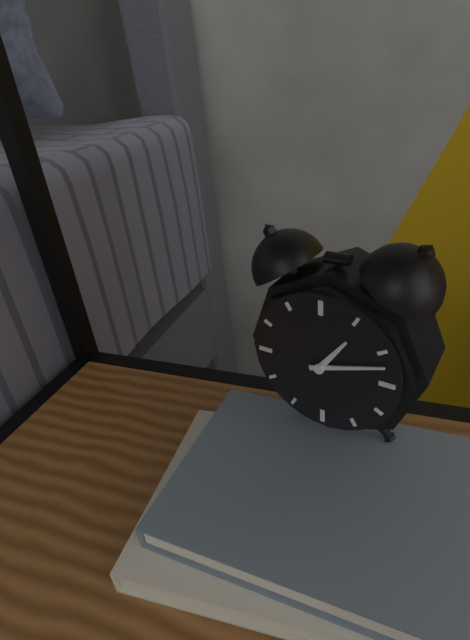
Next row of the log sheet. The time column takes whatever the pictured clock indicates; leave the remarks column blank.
1:12
